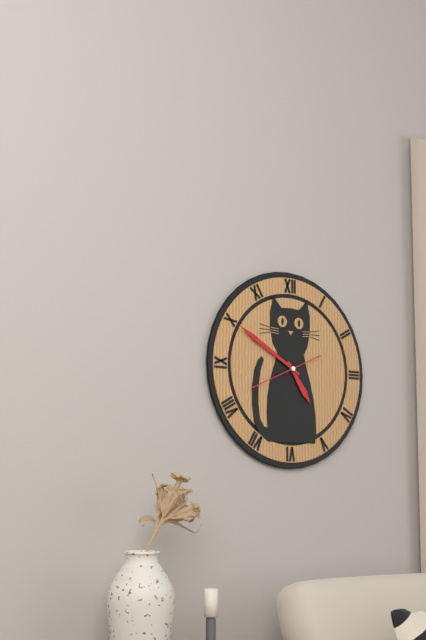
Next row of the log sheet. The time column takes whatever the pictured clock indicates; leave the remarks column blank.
4:50
